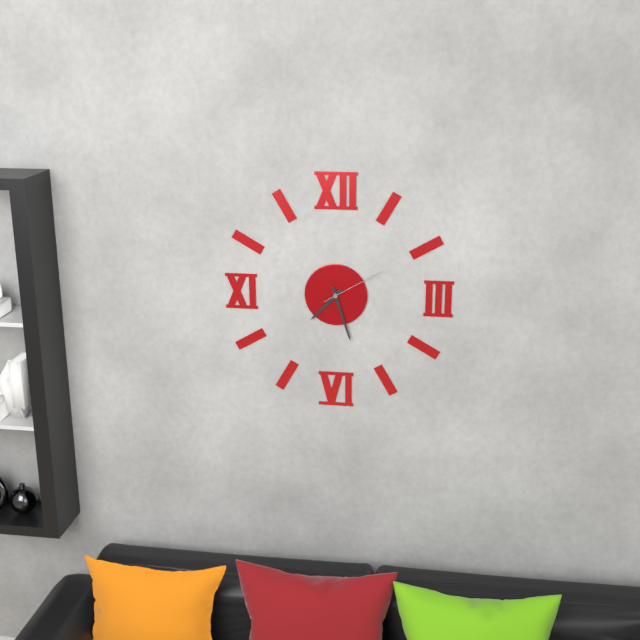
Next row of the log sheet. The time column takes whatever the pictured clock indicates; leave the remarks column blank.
7:27:10
